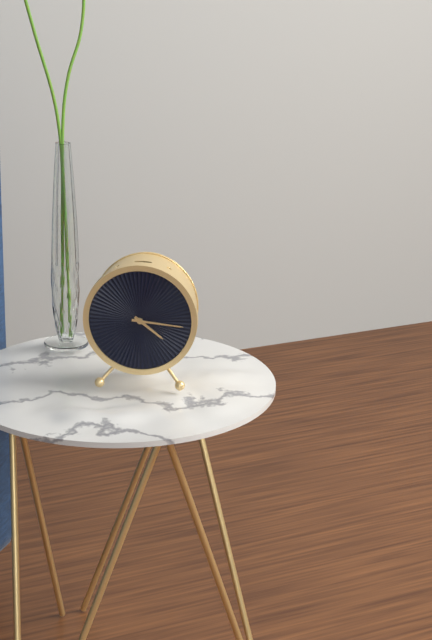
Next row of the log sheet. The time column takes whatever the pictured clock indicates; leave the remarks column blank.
4:16
